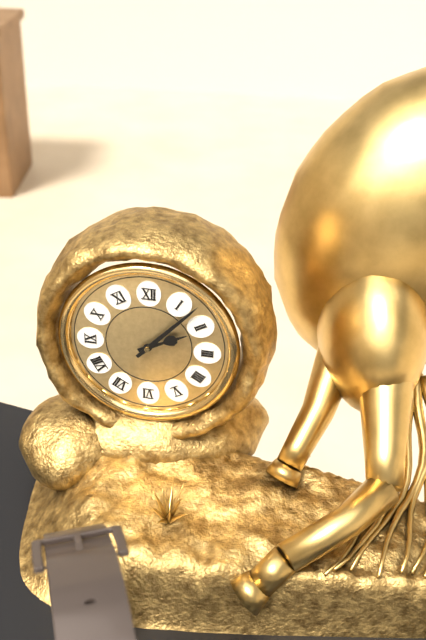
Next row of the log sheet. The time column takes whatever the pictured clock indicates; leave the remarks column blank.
2:07
